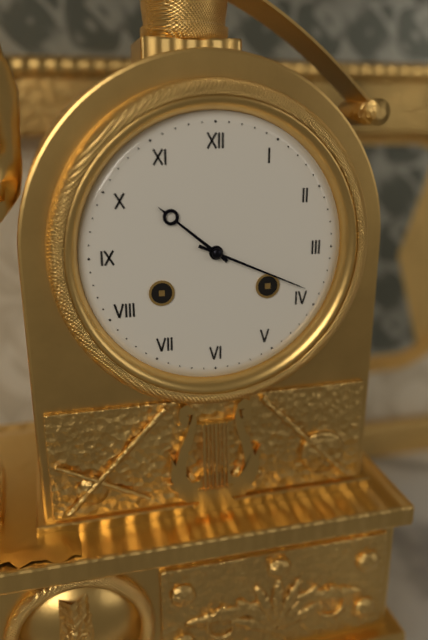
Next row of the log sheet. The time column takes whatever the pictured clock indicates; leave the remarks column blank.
10:19
